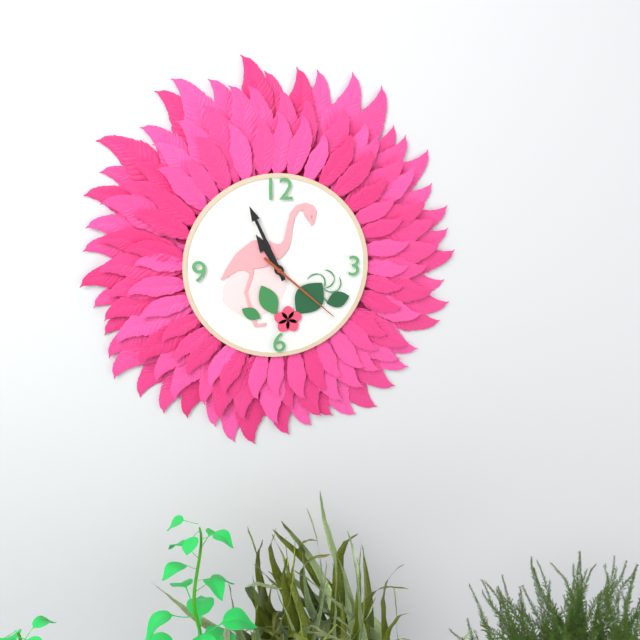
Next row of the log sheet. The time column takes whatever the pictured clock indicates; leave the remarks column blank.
10:56:22
